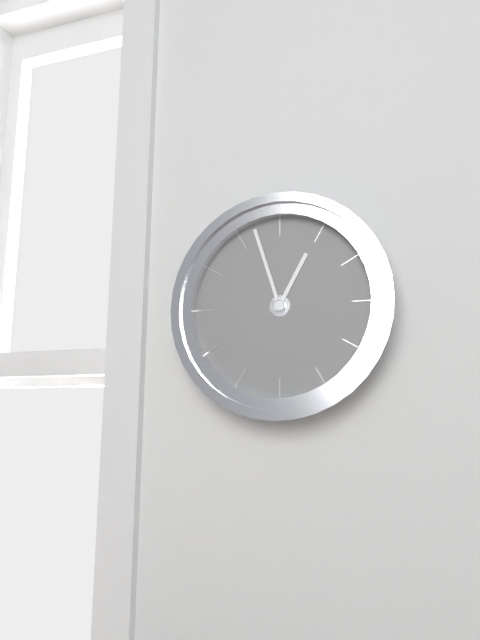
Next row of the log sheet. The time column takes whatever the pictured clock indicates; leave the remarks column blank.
12:57
